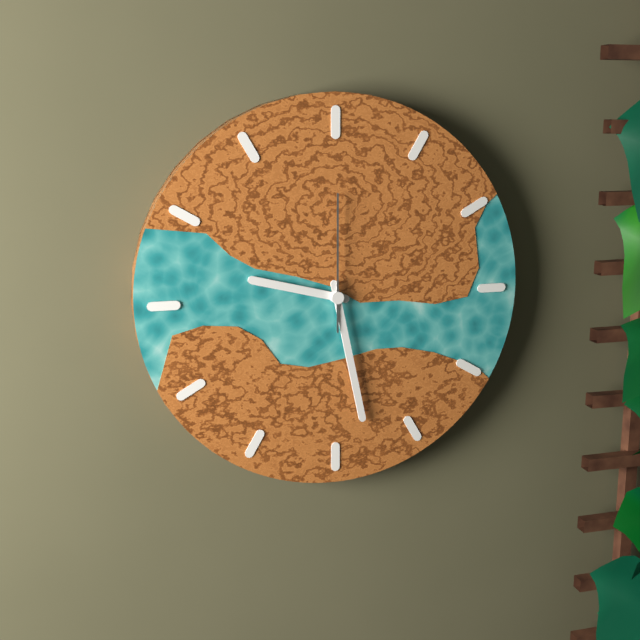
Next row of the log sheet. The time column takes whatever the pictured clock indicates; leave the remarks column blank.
9:28:00
